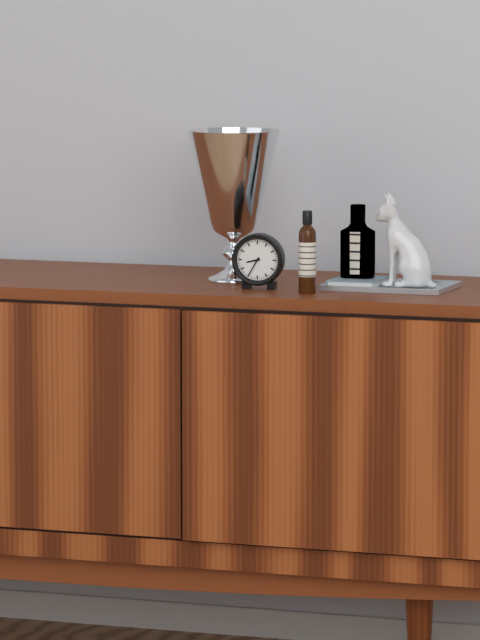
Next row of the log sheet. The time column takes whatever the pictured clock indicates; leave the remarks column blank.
8:35
